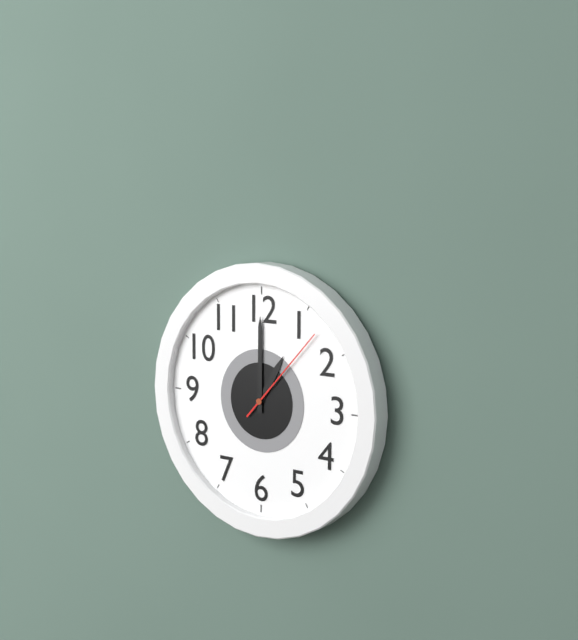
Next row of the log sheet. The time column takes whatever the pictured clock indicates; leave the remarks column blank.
1:00:07
